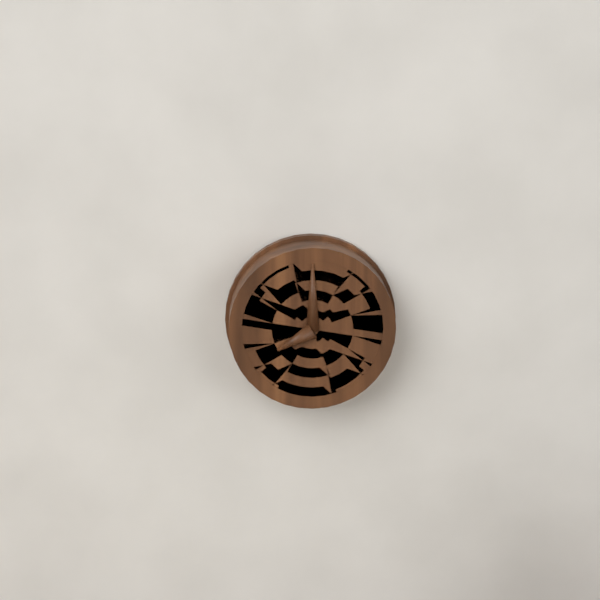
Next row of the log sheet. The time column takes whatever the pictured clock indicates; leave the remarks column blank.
8:00
